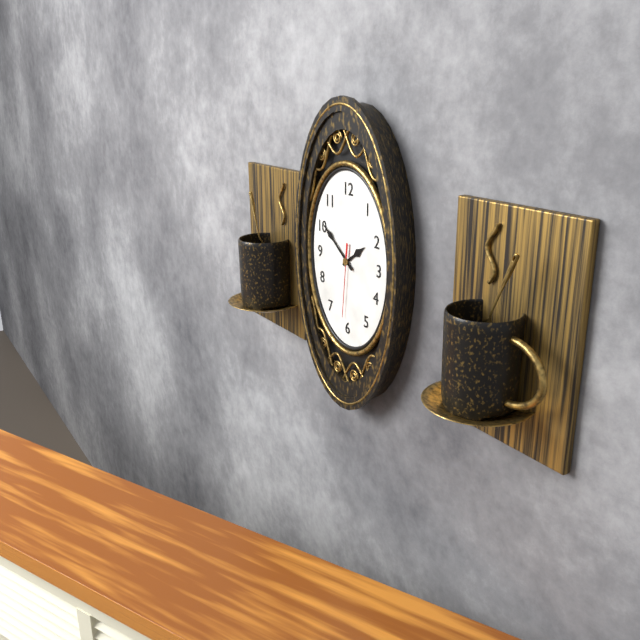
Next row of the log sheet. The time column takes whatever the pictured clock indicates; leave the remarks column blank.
1:51:31
